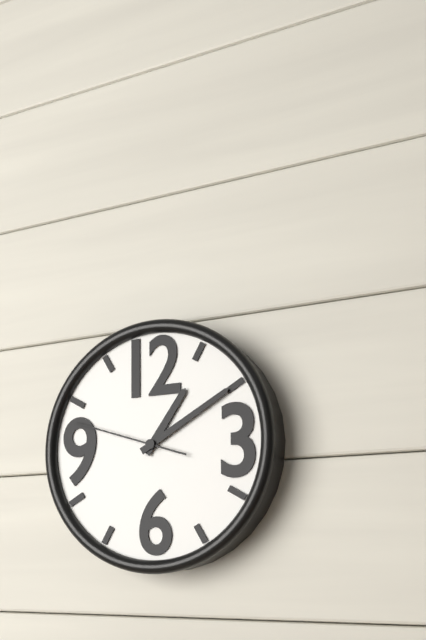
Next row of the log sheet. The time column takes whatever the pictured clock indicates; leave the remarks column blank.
1:10:48
